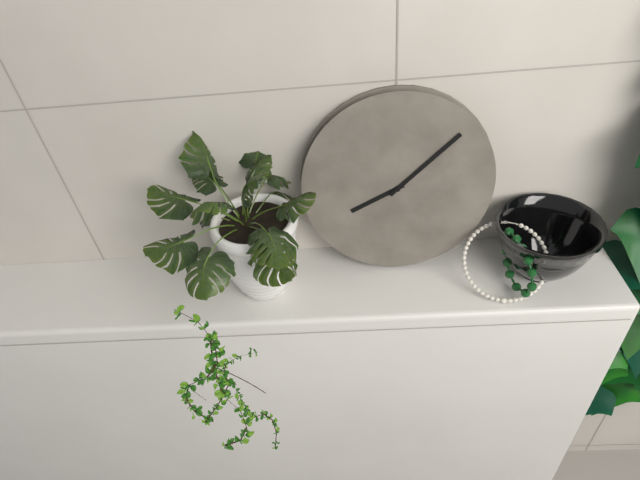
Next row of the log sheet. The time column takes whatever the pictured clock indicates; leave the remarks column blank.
8:08
